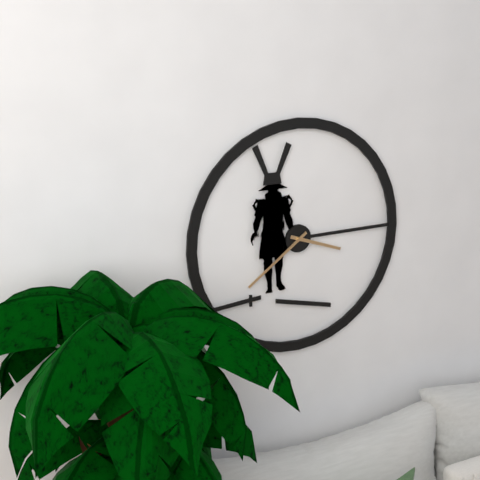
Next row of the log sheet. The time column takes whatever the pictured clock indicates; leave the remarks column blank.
3:39
